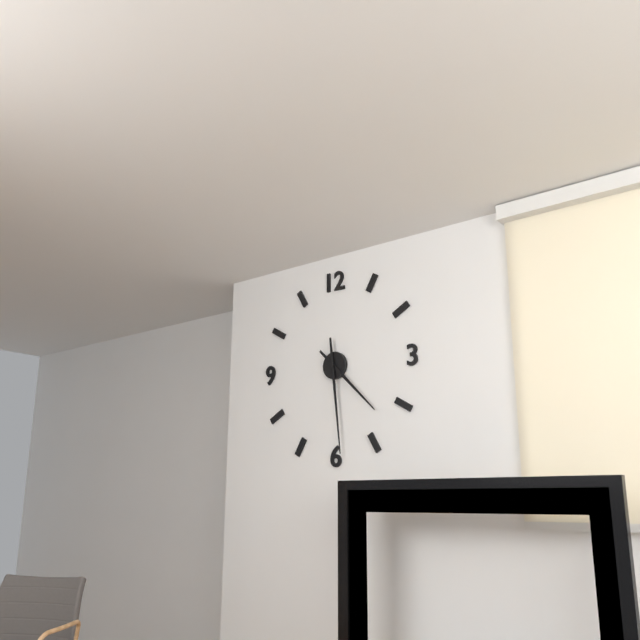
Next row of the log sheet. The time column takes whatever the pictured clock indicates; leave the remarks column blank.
4:29
